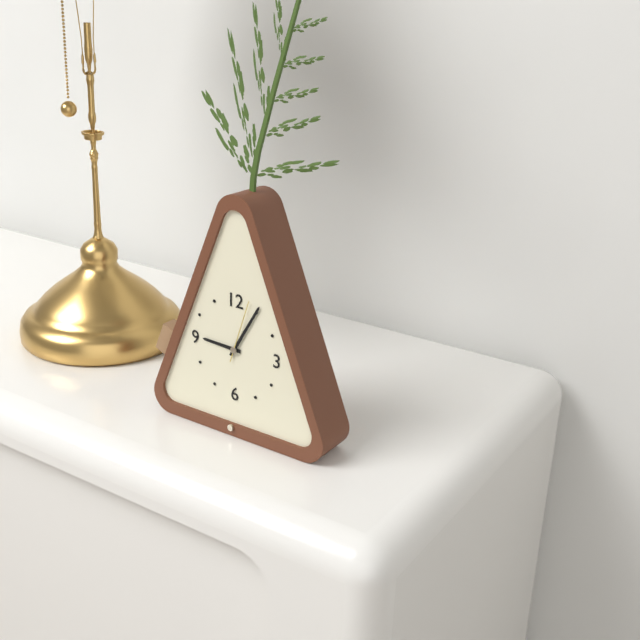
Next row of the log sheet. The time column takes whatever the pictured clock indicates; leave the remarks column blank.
9:05:03
